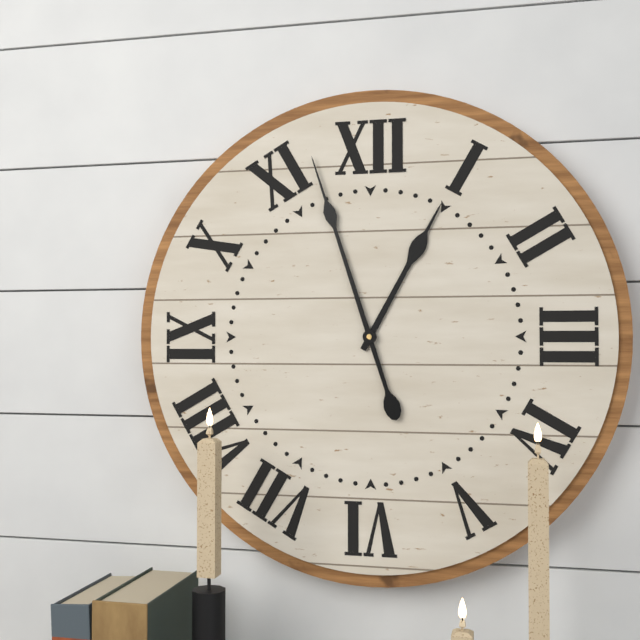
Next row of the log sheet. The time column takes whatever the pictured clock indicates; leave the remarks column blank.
12:57
